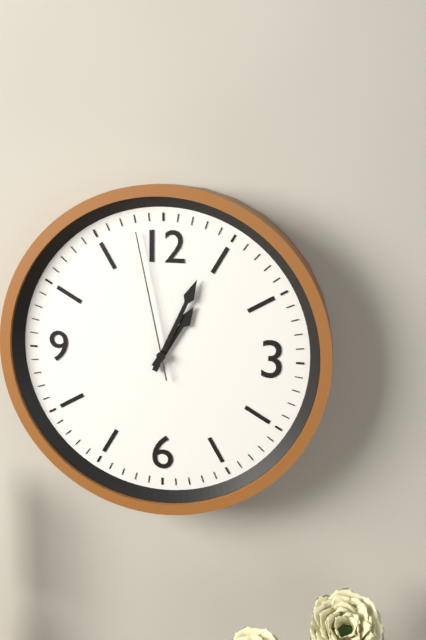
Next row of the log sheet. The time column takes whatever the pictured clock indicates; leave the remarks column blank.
1:04:58
